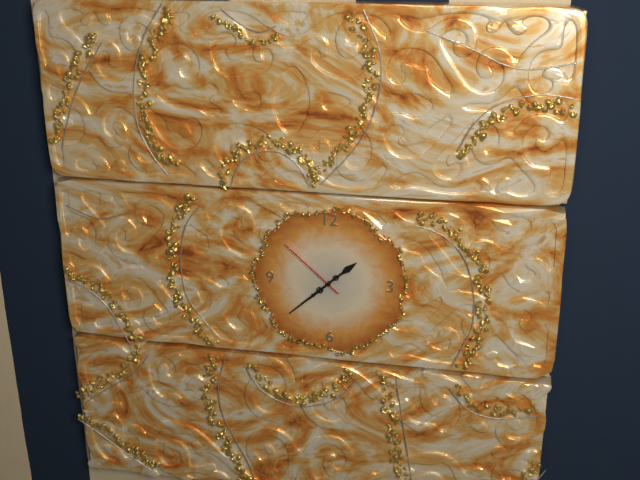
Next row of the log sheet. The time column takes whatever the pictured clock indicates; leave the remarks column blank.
1:38:52
